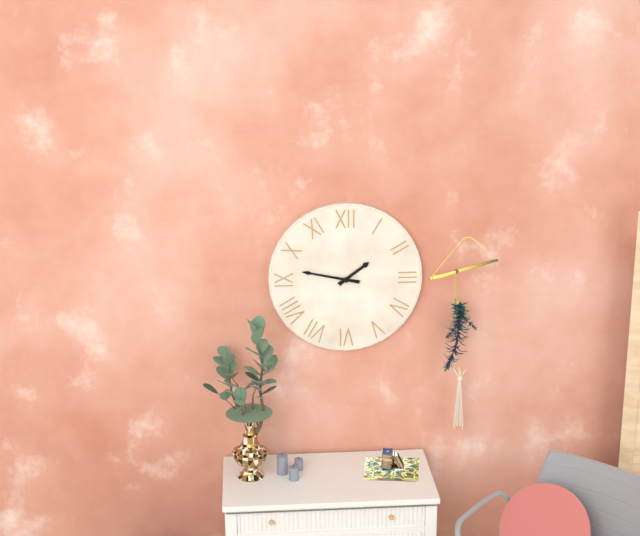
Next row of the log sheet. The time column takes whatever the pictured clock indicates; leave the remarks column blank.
1:47
